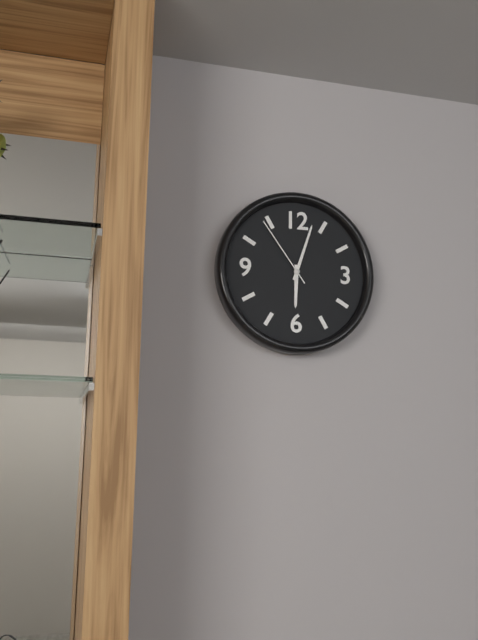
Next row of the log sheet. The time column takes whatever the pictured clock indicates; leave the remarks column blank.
6:03:54
